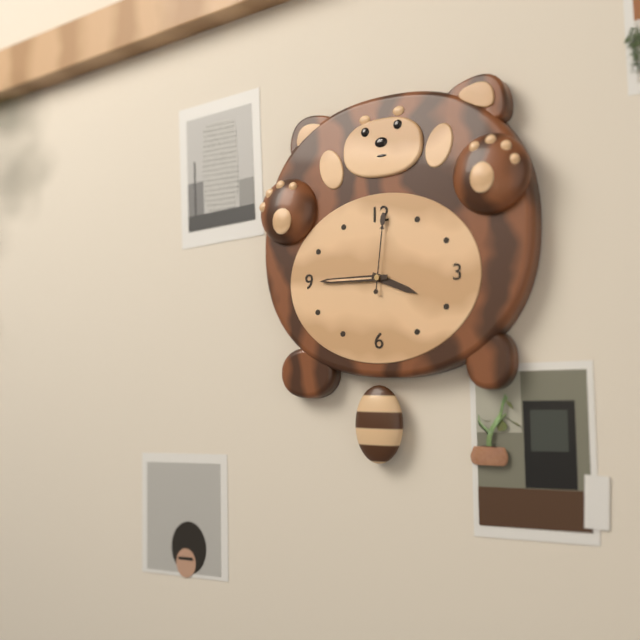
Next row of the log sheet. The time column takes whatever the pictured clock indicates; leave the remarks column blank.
3:45:01
